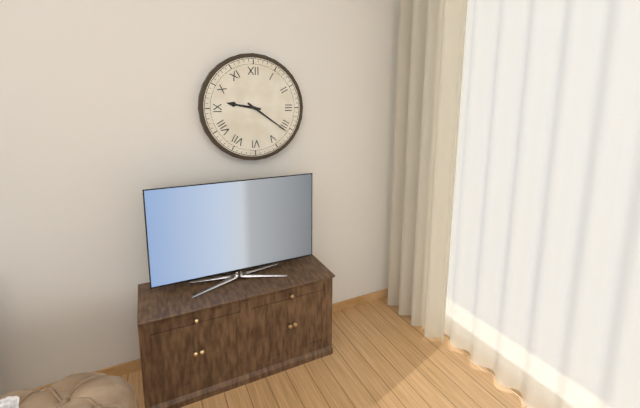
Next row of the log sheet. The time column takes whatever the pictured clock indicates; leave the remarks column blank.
9:21
